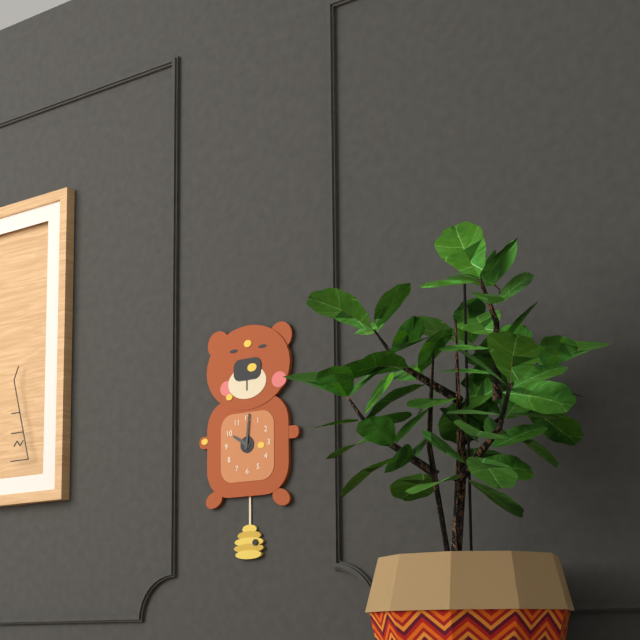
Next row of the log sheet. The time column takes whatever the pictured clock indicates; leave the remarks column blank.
10:01
